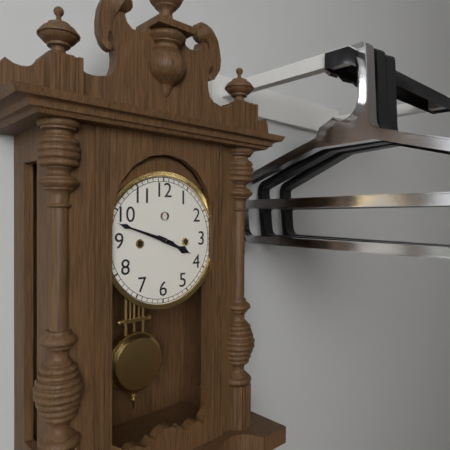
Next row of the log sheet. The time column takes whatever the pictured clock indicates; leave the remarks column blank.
3:48
